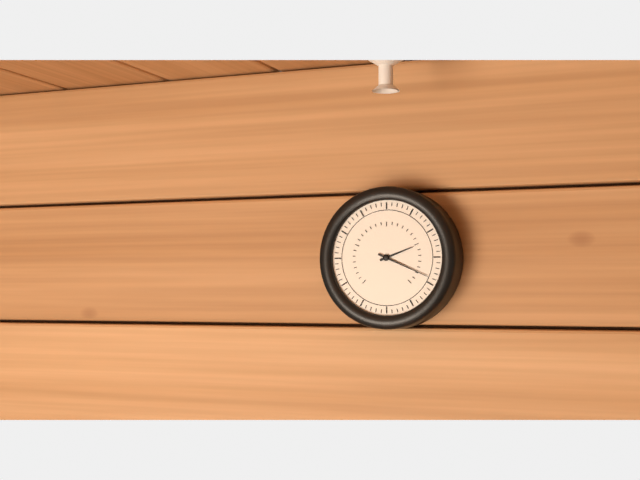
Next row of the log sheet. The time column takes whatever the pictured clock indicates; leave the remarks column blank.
2:19
